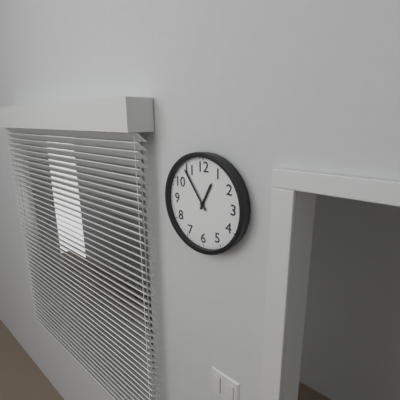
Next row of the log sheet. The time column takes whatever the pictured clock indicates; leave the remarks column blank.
12:54
